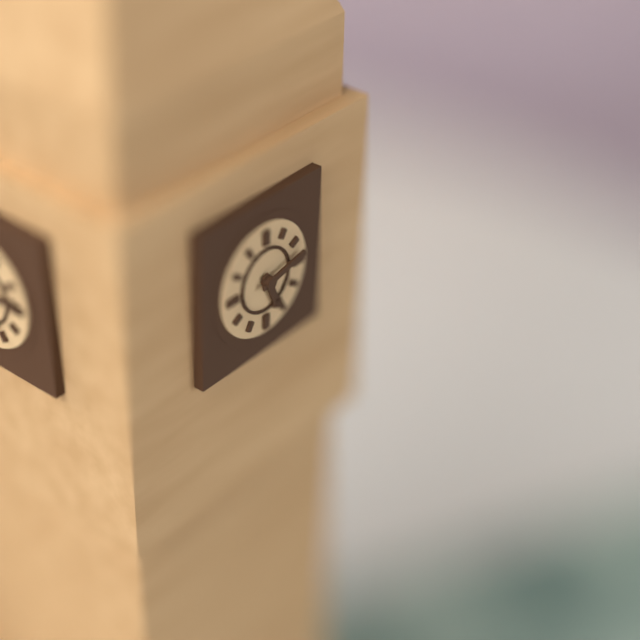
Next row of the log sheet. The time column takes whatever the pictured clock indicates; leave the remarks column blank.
5:13
